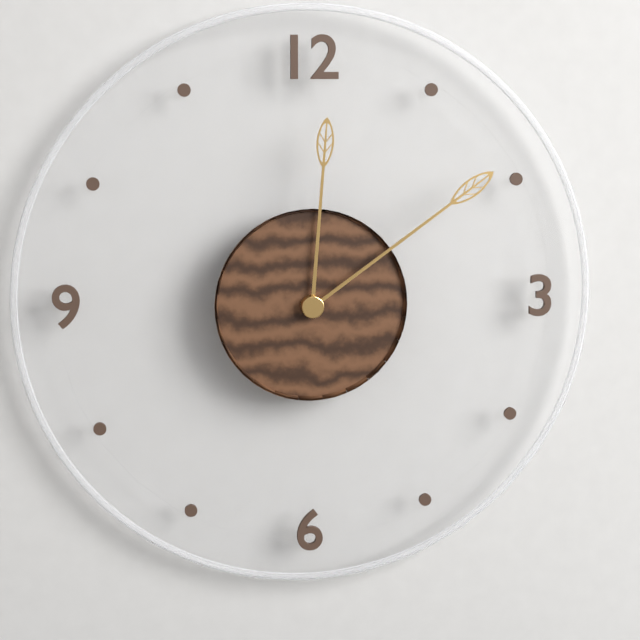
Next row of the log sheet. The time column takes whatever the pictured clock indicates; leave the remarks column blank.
12:09
